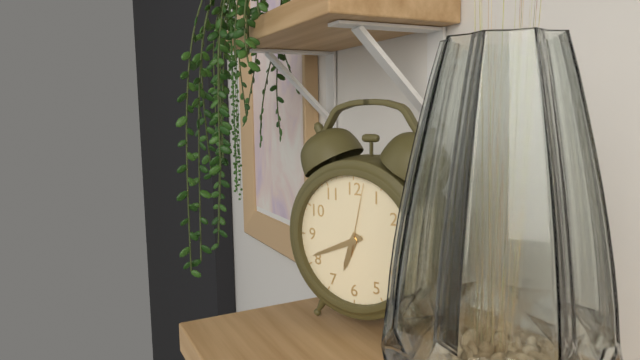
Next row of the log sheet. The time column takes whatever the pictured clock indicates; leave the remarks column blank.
6:41:02
